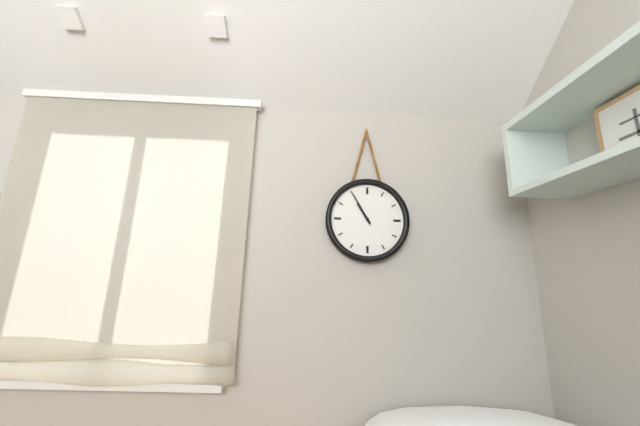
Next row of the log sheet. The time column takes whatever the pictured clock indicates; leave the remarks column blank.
10:55
